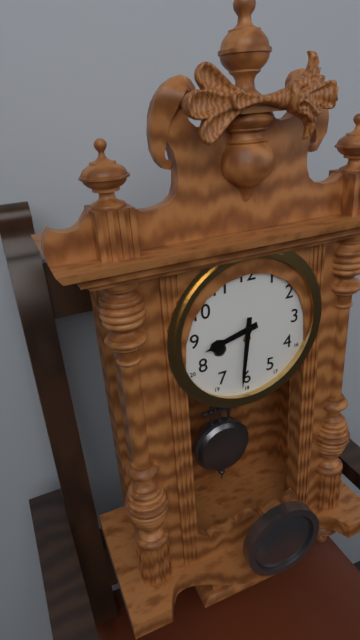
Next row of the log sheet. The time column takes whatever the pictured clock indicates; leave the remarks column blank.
8:31
